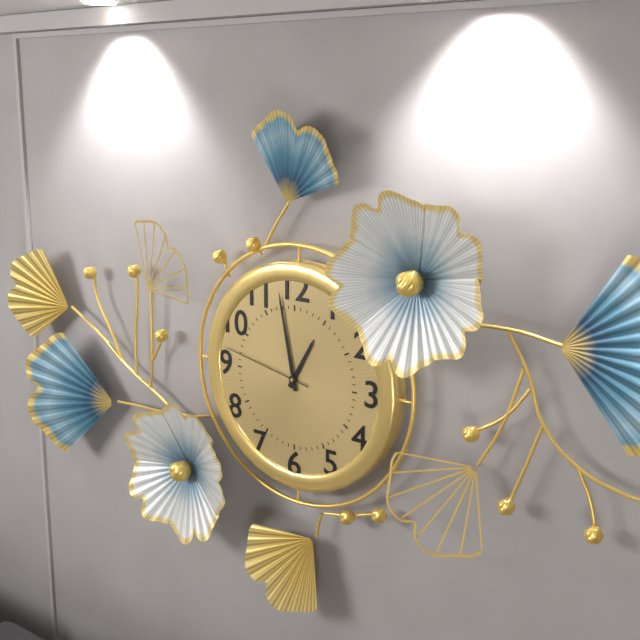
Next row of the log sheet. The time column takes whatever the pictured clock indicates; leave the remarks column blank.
12:58:47
